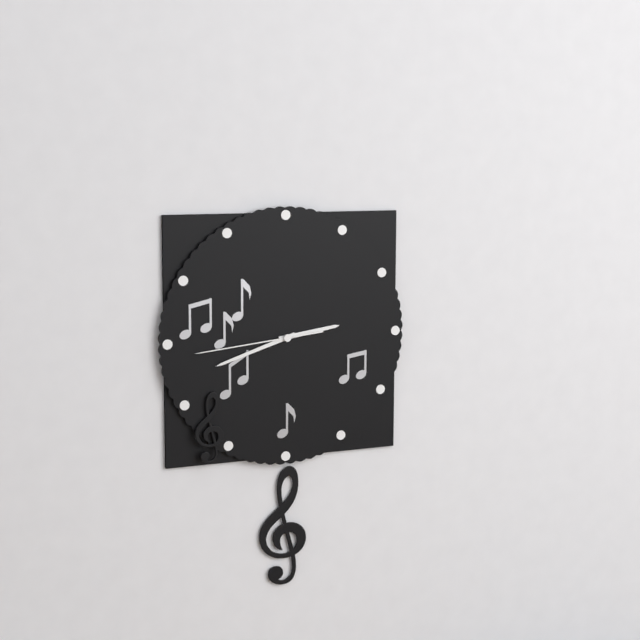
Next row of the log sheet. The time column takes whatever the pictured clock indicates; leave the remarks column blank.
2:42:44
